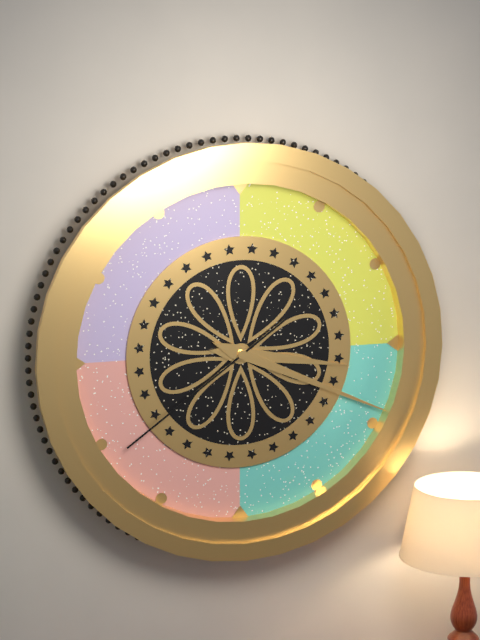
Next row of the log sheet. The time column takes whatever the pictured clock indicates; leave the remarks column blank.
3:19:39
